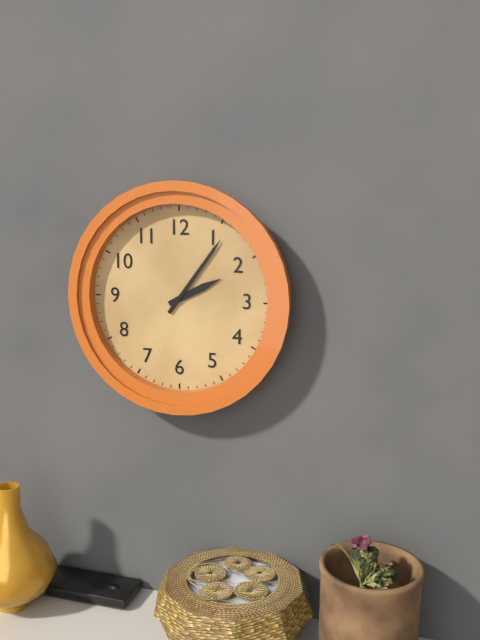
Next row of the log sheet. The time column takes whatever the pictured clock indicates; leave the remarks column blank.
2:06
